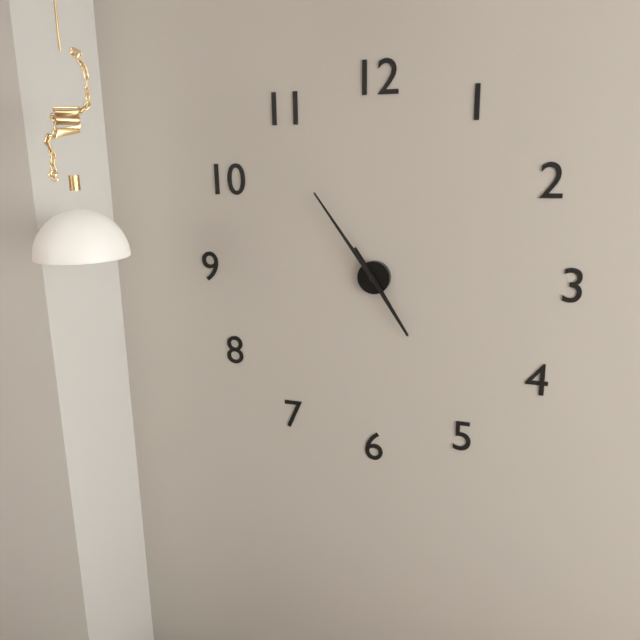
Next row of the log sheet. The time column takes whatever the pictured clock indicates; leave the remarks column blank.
4:54
